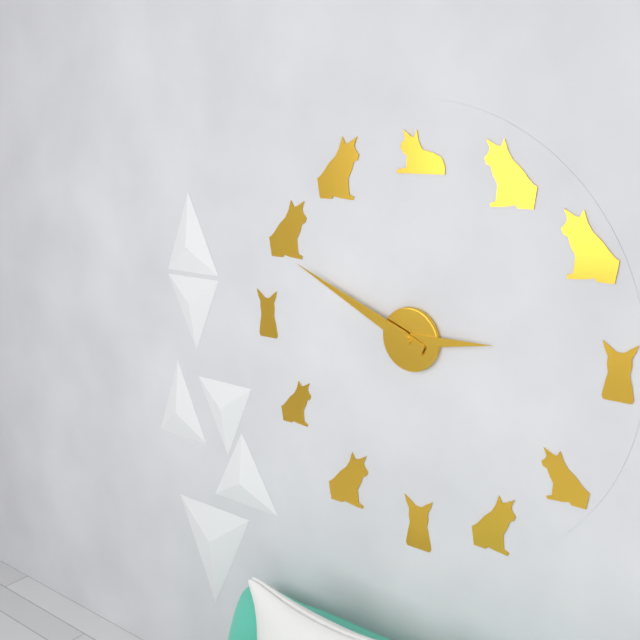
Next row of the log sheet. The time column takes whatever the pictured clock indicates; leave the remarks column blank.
2:49
